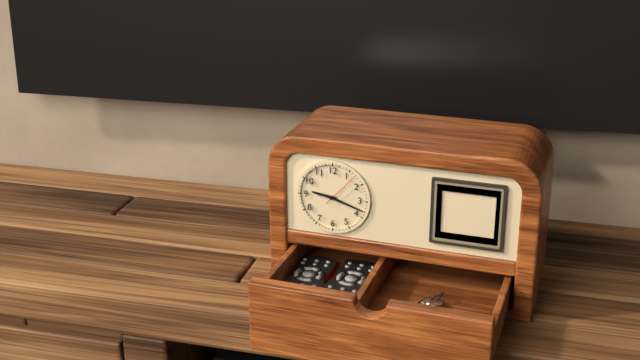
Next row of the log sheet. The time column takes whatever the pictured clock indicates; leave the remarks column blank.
9:18
